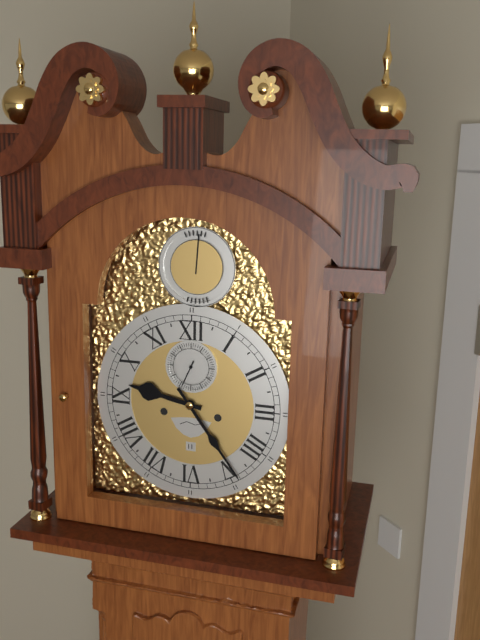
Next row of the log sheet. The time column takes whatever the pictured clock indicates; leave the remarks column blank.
9:24
